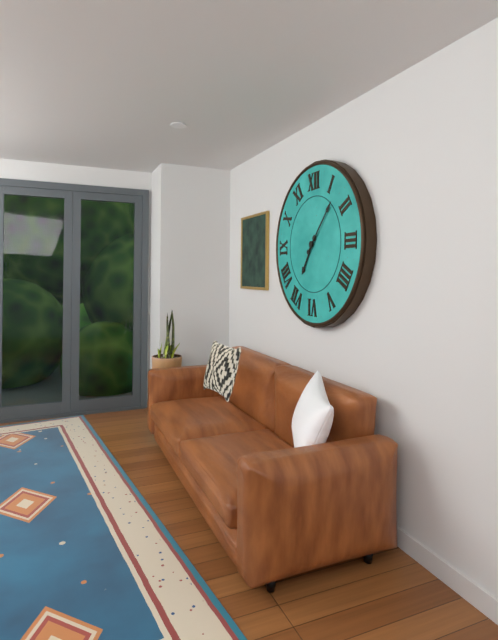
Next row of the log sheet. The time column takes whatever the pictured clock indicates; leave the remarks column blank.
7:07
